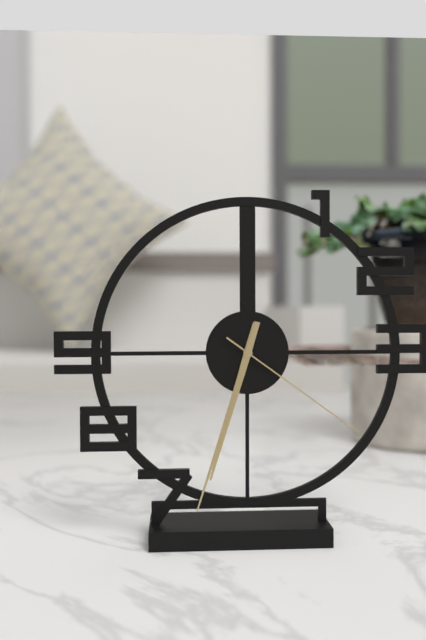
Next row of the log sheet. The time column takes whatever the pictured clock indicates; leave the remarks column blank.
6:33:21
